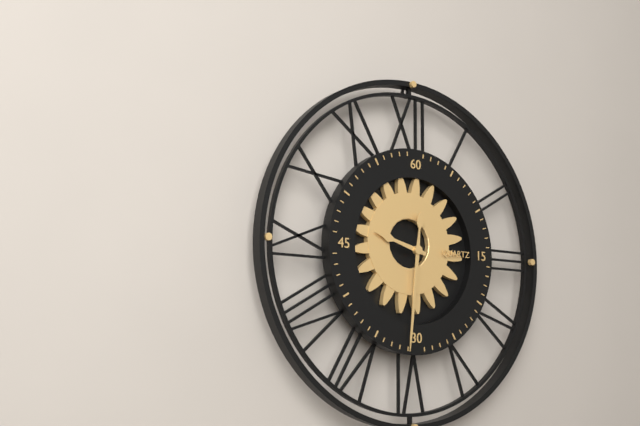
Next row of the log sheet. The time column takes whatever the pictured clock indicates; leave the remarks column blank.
9:31
